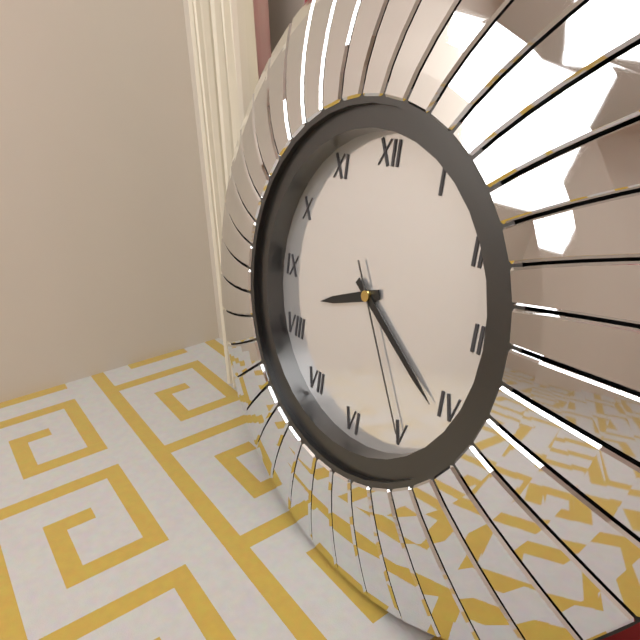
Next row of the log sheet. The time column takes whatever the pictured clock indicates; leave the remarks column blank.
8:21:25
